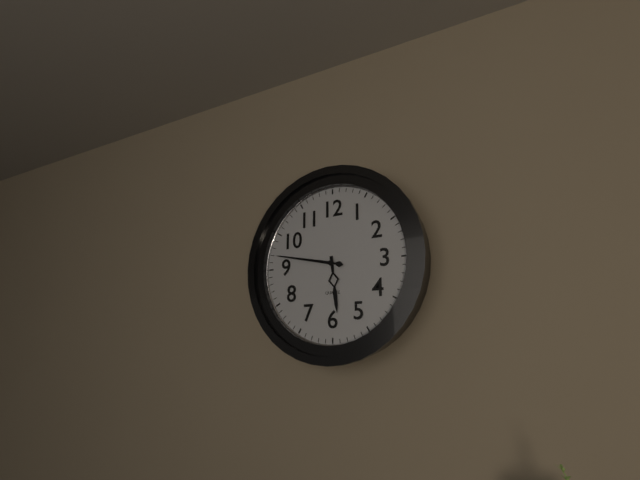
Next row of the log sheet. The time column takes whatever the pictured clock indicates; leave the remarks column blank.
5:47
